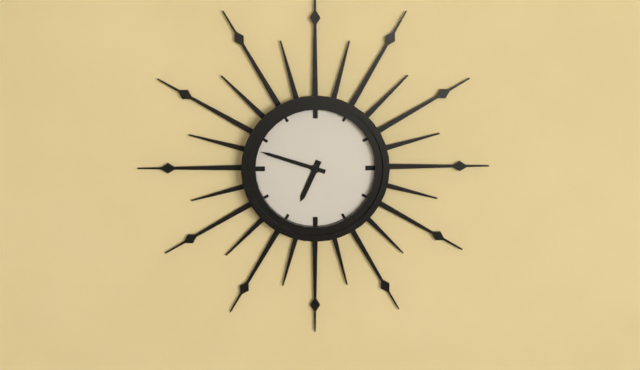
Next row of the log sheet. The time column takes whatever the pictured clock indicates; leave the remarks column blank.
6:48
